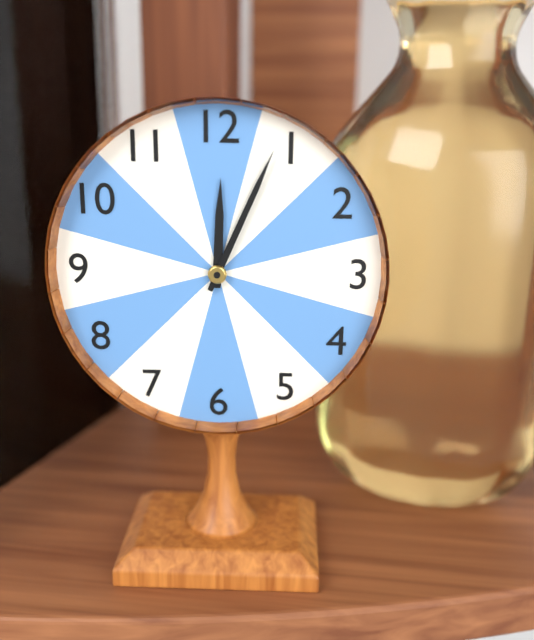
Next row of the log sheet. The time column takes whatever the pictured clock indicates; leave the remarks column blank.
12:04
